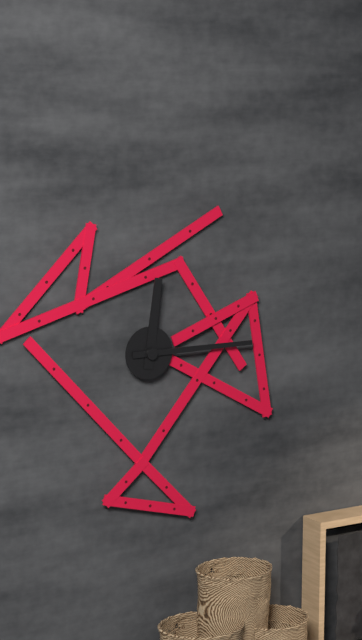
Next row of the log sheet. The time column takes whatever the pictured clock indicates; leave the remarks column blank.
12:15
